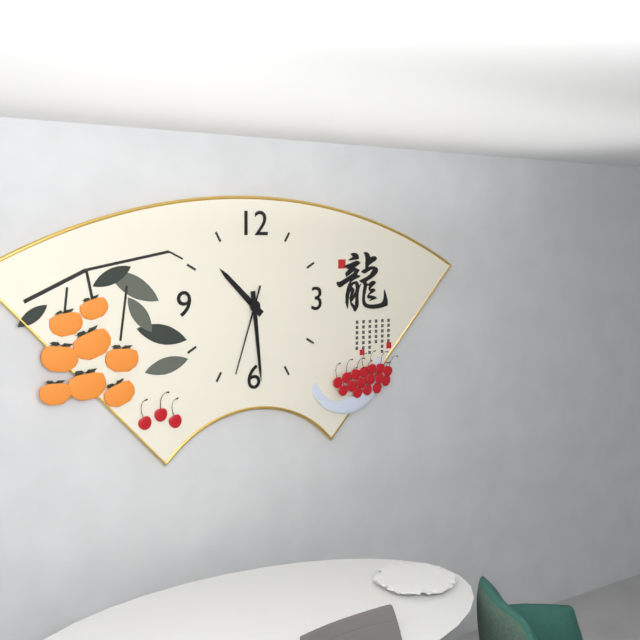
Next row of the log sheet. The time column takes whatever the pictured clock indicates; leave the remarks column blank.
10:29:33
